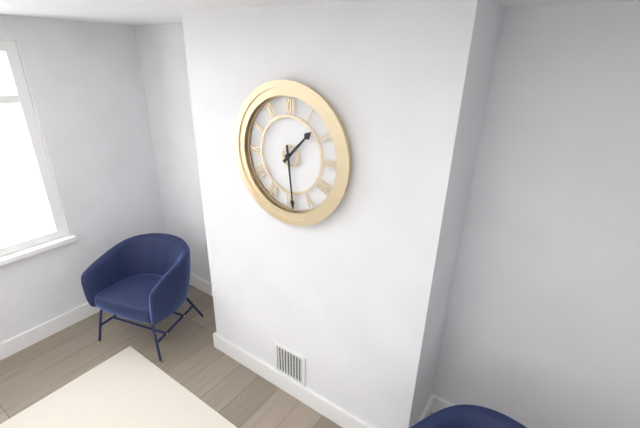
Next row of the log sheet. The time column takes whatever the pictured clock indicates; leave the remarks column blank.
1:29
